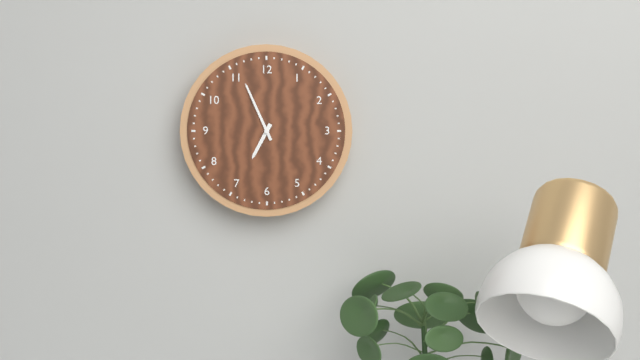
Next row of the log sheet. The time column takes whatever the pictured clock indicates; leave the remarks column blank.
6:56
